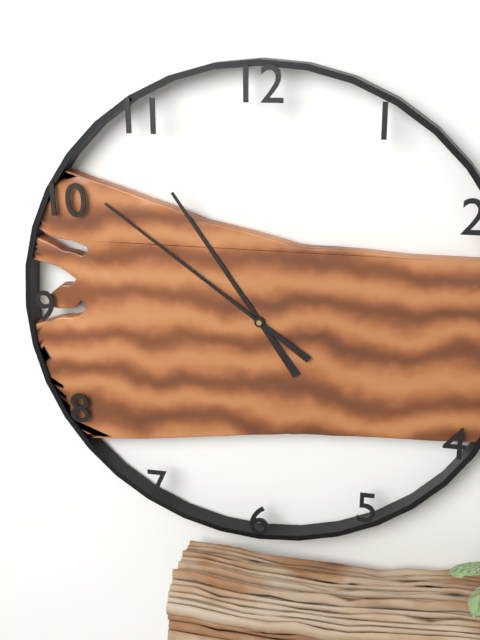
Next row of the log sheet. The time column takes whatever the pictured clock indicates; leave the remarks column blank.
10:51
